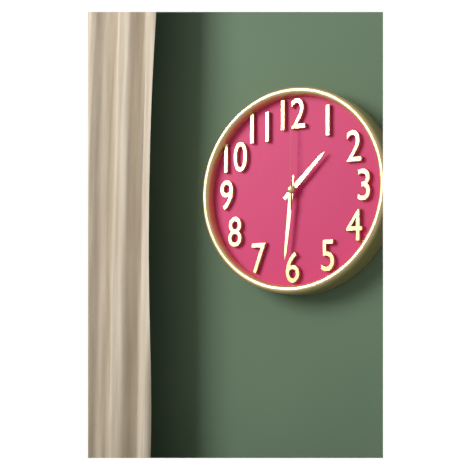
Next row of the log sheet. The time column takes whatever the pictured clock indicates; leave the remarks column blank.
1:31:00
